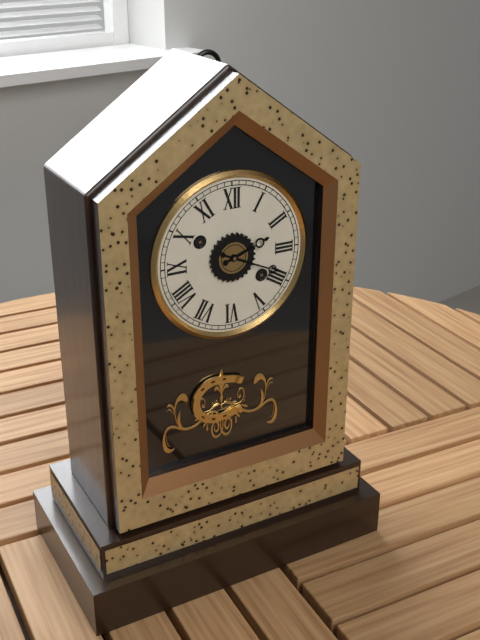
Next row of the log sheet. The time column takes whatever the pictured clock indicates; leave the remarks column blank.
2:19
